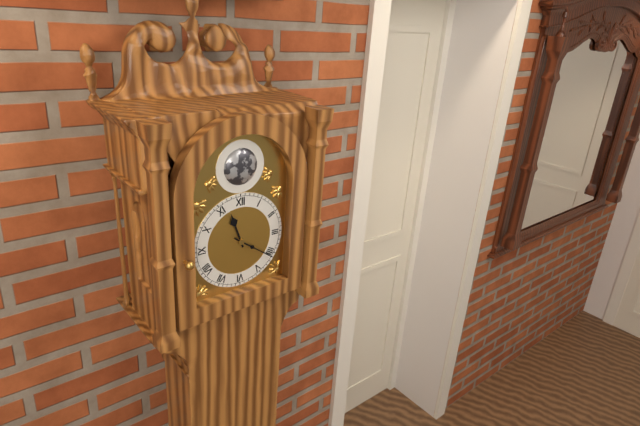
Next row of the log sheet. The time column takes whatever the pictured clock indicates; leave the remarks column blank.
11:21
